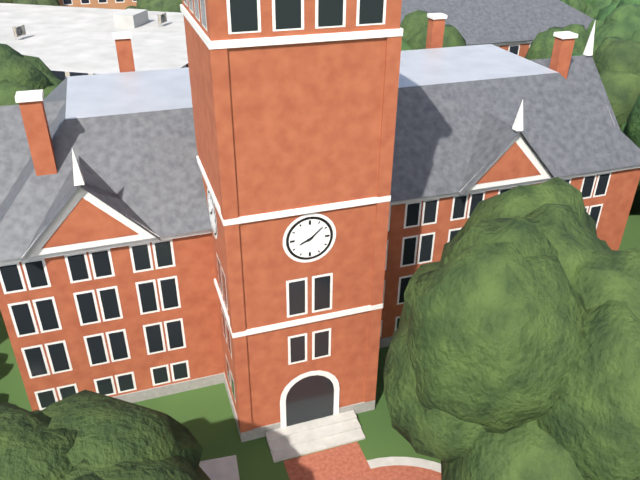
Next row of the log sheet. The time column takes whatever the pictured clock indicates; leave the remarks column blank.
8:08
